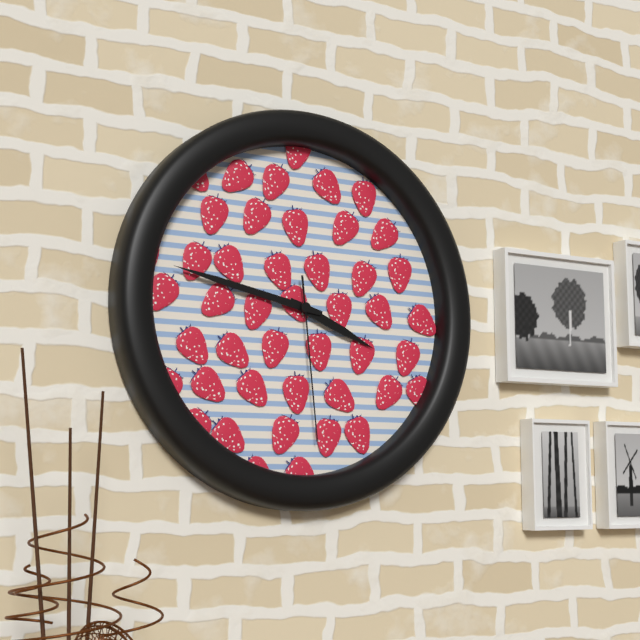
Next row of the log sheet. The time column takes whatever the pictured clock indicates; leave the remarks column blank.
3:47:29
